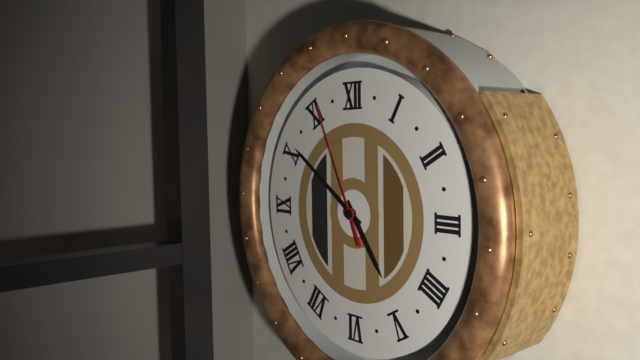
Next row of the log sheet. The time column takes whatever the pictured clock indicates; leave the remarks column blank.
4:51:56
